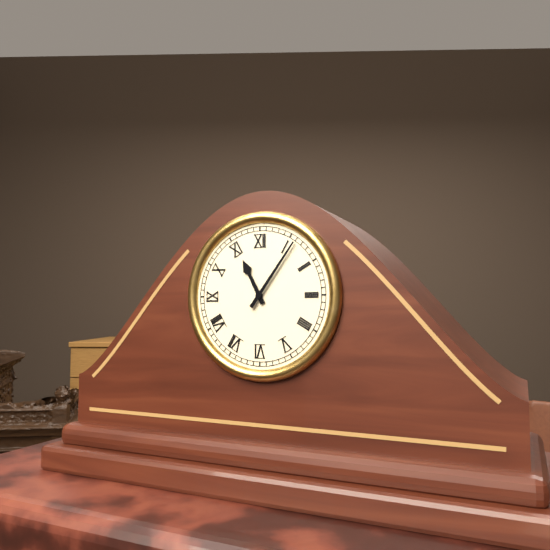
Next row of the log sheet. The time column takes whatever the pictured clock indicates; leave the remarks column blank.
11:06
